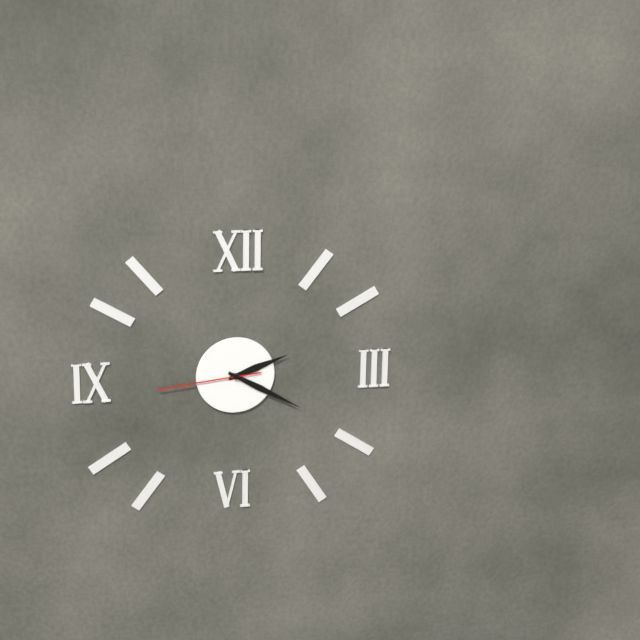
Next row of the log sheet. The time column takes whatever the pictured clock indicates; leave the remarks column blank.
2:20:44
